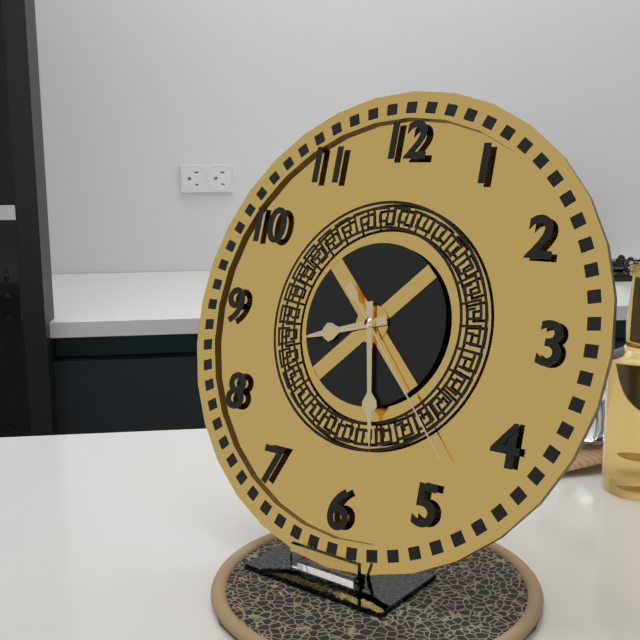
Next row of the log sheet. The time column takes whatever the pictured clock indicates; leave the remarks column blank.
8:28:23
